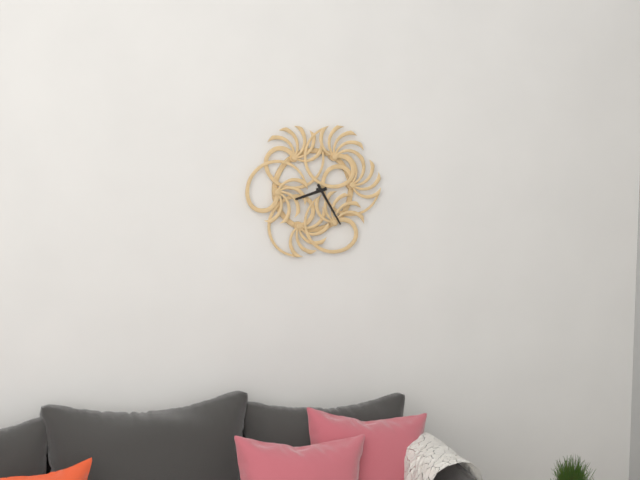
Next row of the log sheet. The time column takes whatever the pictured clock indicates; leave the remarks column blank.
8:25
